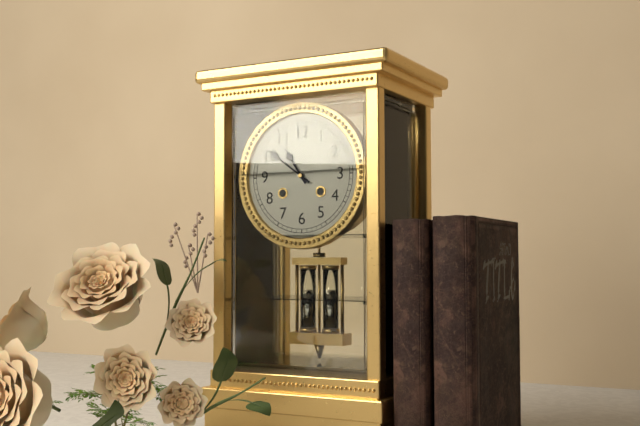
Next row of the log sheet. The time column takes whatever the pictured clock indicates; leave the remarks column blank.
10:51
